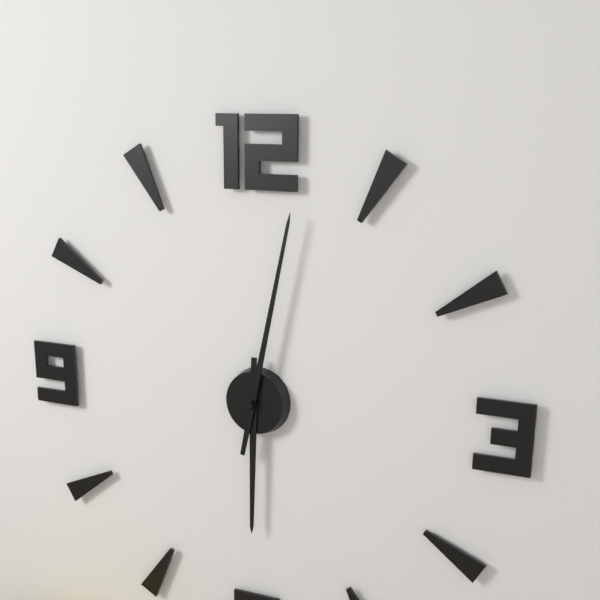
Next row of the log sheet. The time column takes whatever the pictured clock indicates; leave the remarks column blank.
6:02
